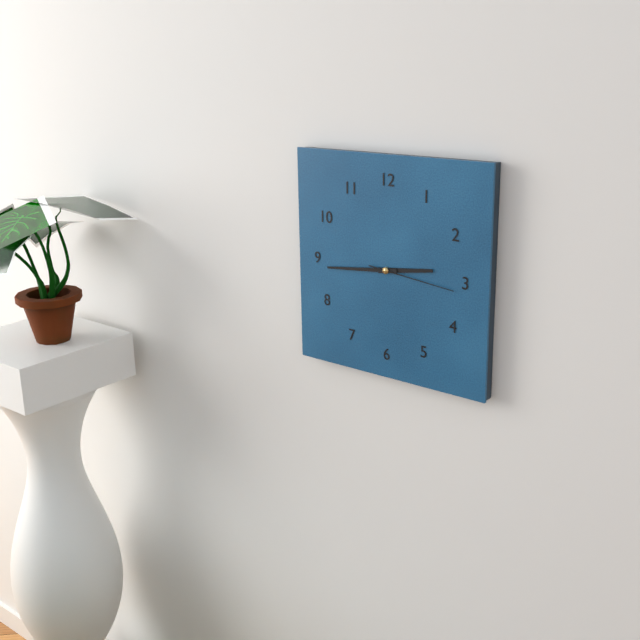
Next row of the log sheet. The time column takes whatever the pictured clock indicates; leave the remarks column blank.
2:44:16
